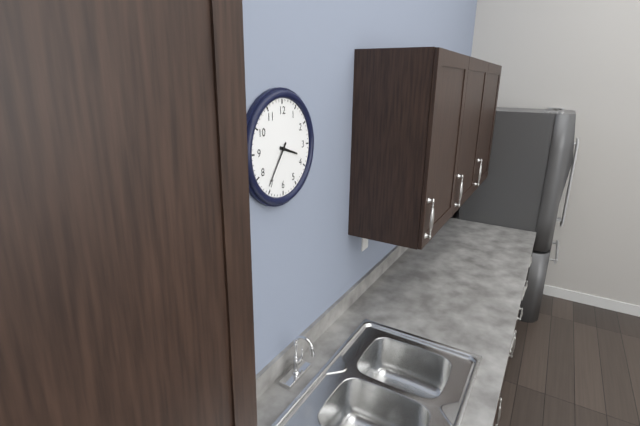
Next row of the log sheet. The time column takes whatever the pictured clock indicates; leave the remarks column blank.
3:36
